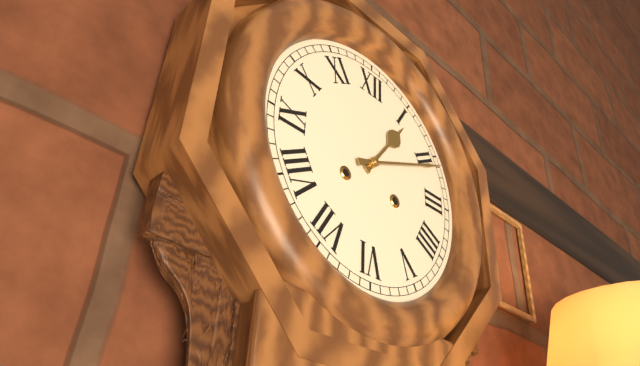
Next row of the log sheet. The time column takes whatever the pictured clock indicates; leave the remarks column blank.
1:11
